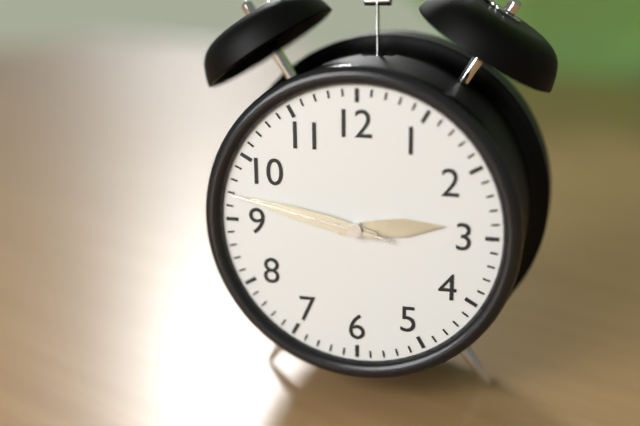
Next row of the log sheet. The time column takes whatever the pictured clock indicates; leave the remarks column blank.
2:47:47
